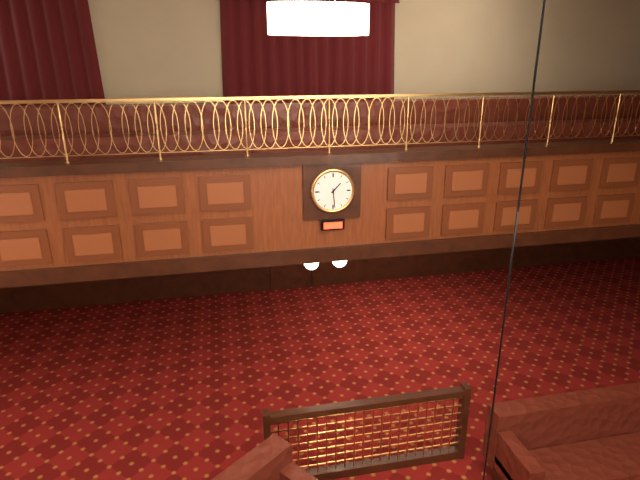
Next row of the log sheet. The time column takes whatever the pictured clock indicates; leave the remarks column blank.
1:29
